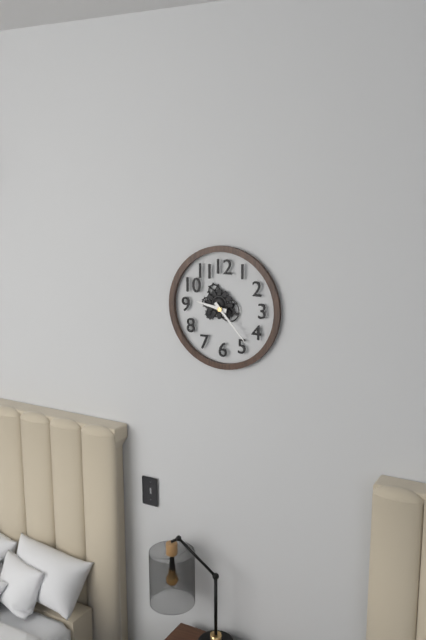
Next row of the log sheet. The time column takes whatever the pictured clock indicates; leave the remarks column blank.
9:23
